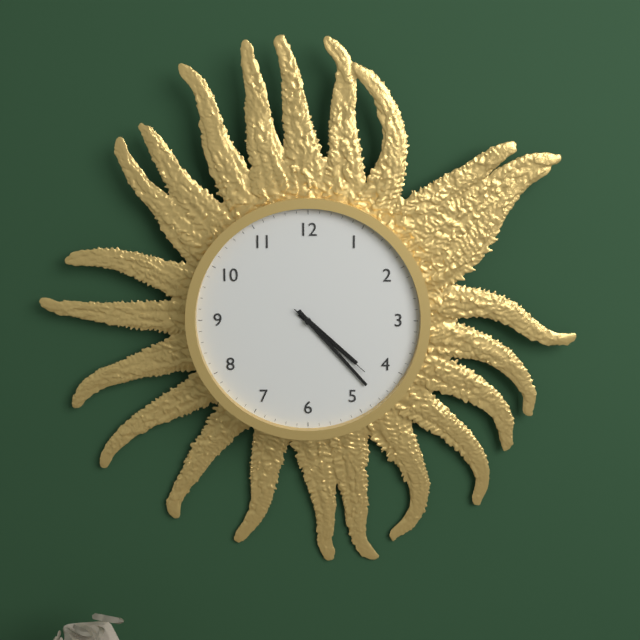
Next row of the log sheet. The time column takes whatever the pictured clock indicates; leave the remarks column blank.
4:23:22
